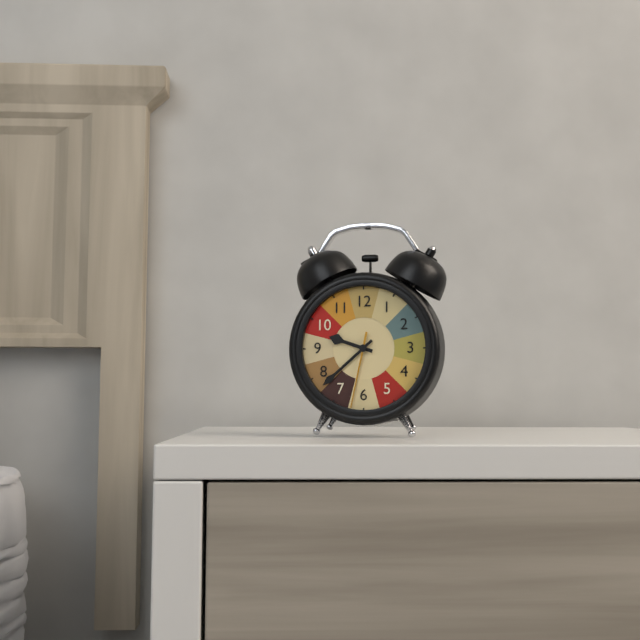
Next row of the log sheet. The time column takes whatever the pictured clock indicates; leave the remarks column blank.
9:38:32
